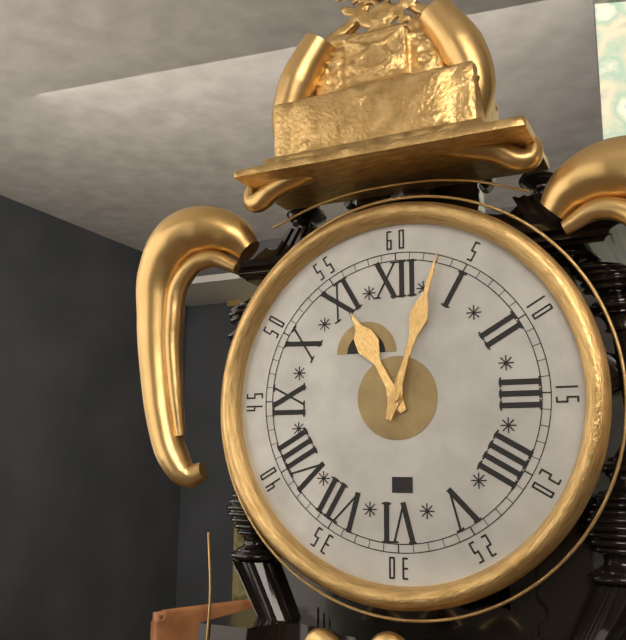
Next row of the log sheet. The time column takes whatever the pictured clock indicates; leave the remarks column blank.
11:03
